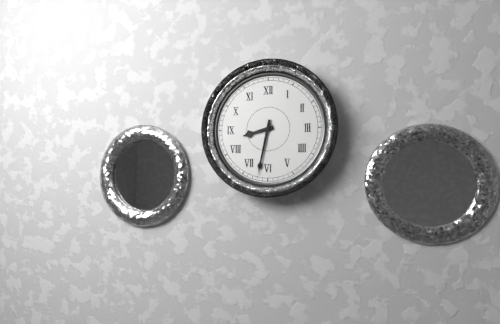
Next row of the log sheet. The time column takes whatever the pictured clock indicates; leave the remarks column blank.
8:32
